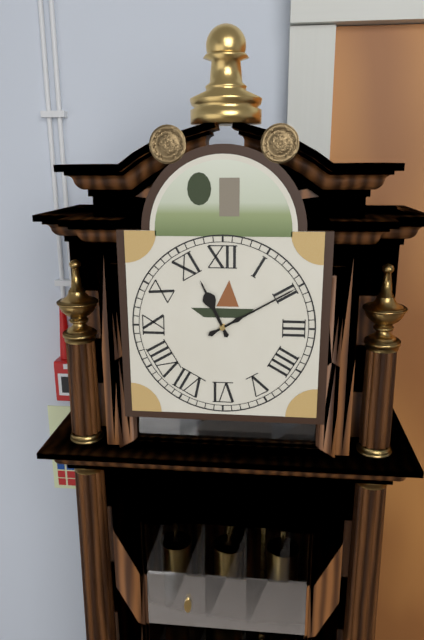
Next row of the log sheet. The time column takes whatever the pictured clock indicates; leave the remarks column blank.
11:10
